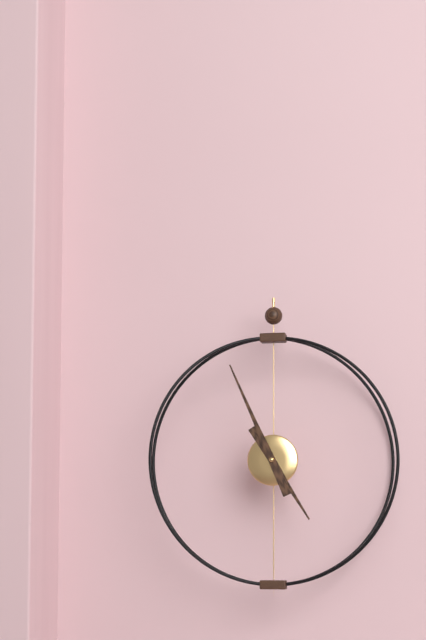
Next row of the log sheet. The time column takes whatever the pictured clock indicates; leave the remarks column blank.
4:56
